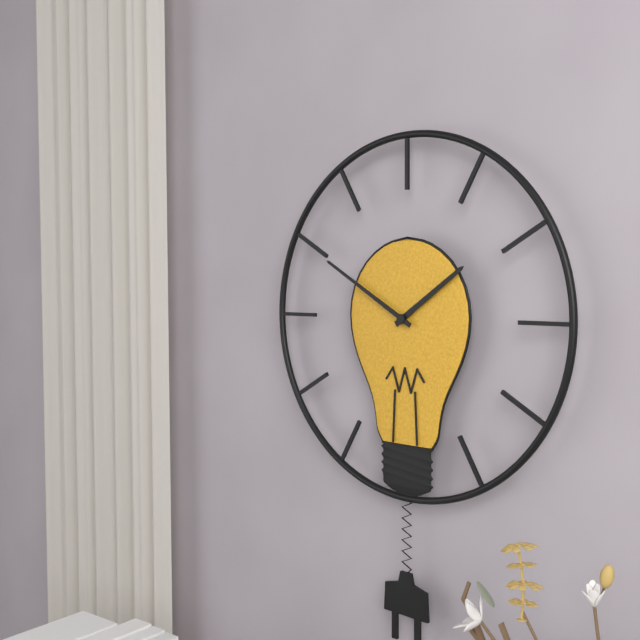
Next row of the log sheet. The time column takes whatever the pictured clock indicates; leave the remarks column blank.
1:50
